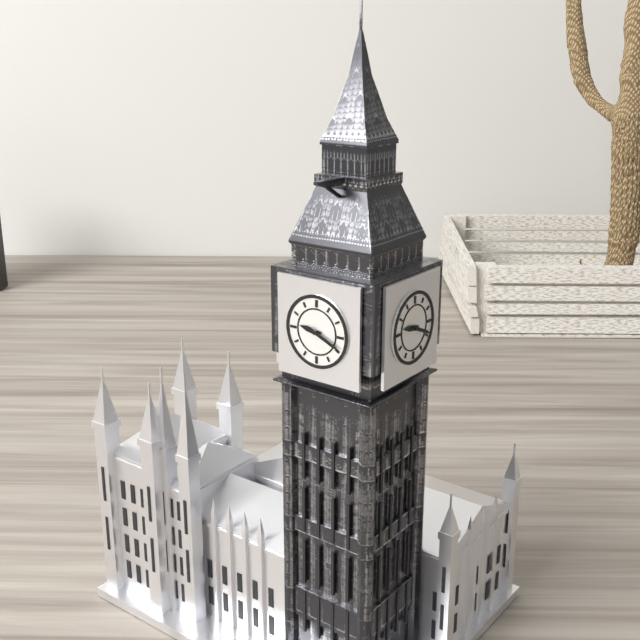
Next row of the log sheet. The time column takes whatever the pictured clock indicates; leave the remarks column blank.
9:19
